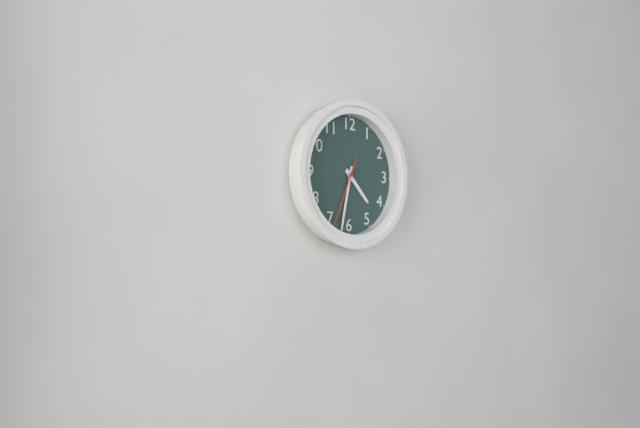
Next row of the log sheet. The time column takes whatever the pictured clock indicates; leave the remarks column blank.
4:32:34
